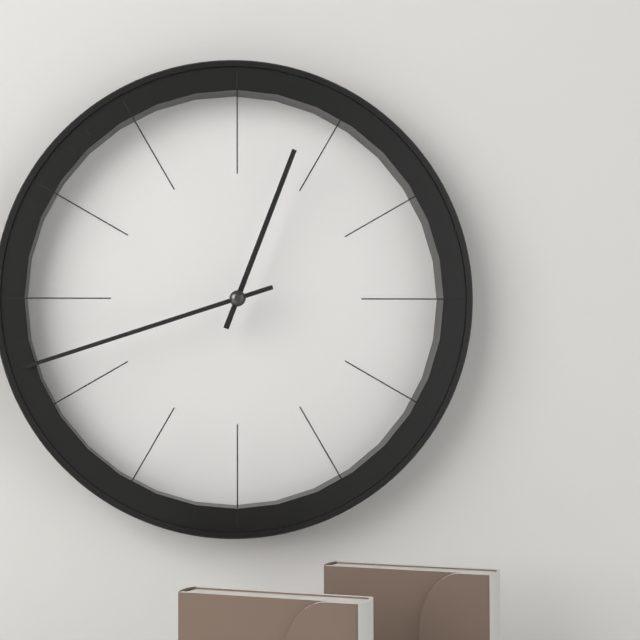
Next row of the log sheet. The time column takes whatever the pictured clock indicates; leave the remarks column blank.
12:42
